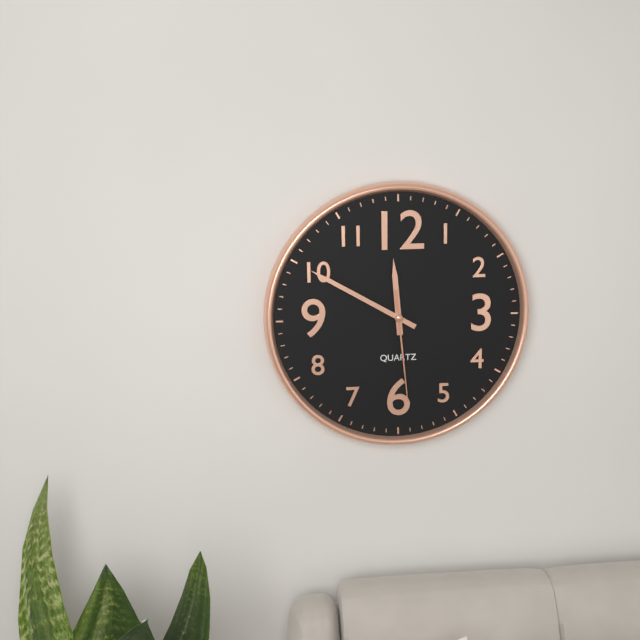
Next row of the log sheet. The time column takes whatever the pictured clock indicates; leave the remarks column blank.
11:50:29
